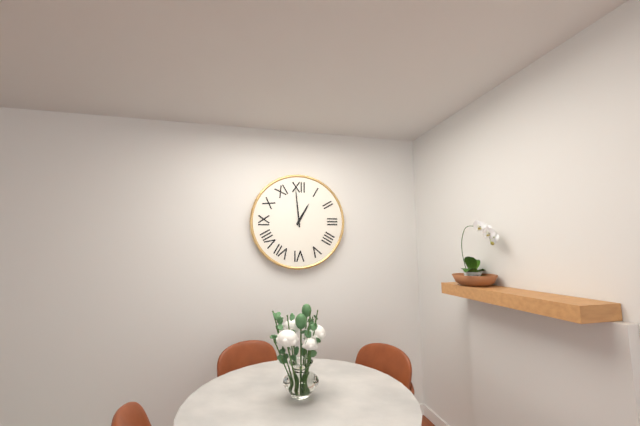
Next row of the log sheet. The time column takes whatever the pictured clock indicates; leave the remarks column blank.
12:59
